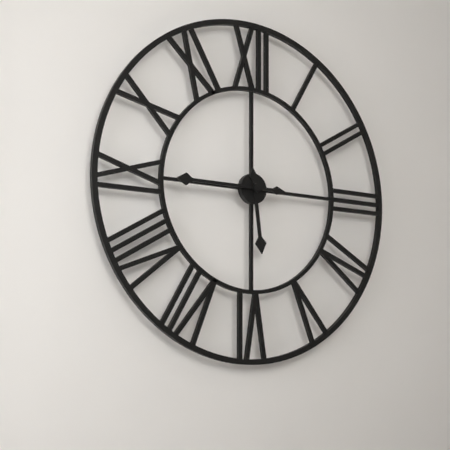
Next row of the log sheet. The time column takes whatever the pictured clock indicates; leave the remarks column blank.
5:45
